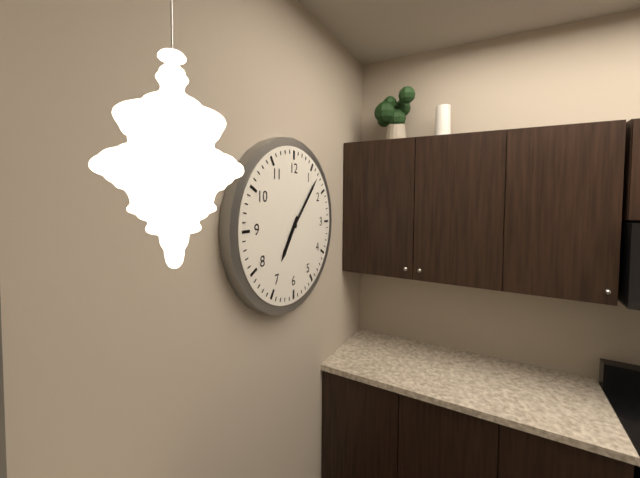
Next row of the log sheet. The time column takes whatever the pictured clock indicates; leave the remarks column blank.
7:07
